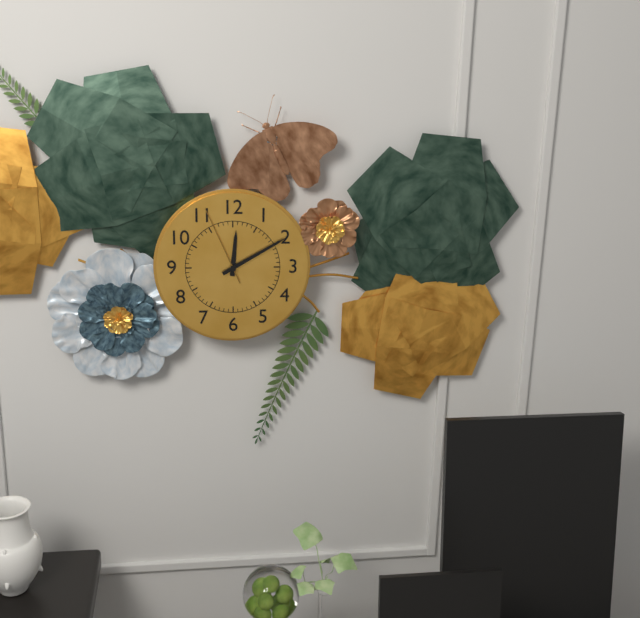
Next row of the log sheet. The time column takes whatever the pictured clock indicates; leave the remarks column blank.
12:10:56
